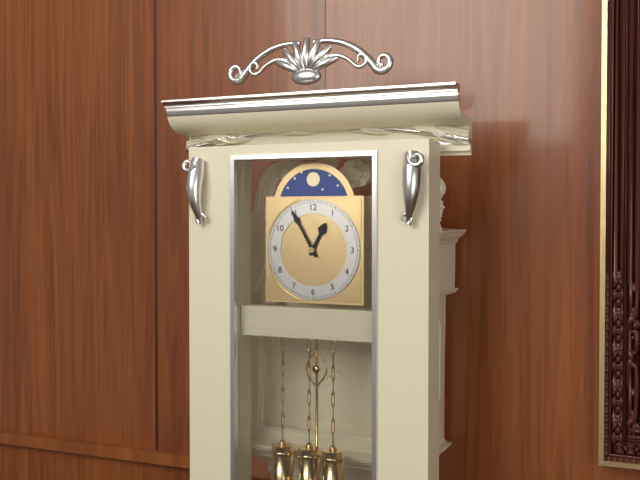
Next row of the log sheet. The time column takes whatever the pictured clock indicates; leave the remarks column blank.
12:55
